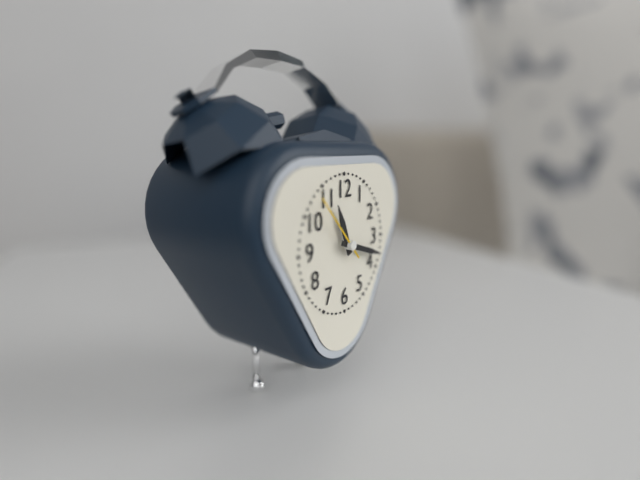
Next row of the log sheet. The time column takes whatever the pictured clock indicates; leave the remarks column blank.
11:18:53
